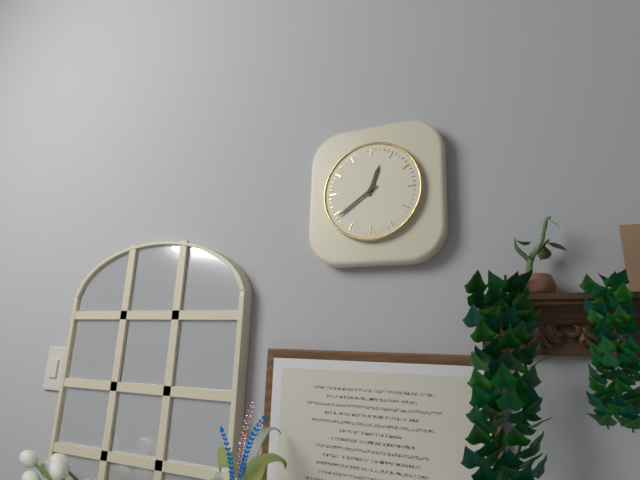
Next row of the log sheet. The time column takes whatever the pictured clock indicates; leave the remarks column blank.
12:39
